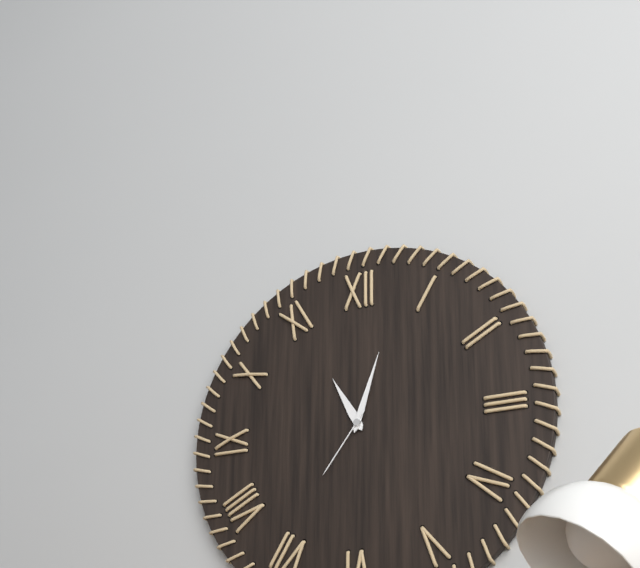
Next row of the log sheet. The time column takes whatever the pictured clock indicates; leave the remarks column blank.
11:03:36
